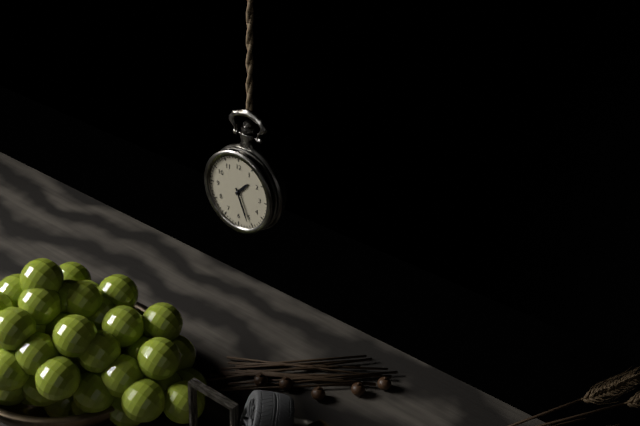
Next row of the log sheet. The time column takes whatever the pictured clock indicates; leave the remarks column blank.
1:26
